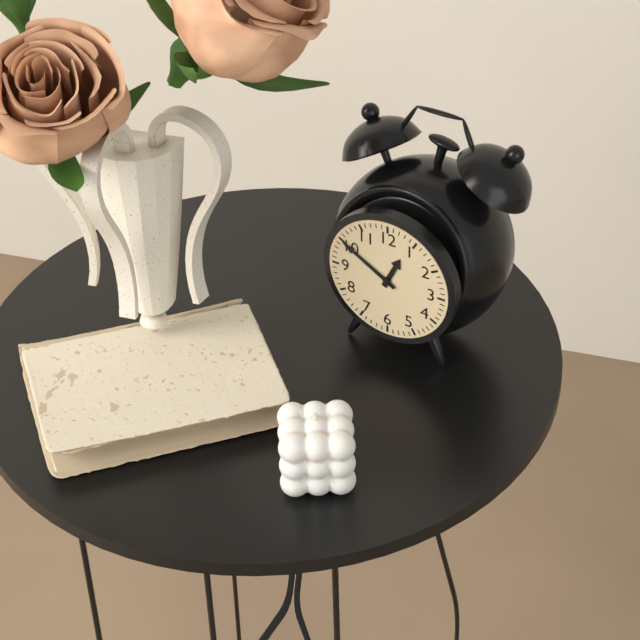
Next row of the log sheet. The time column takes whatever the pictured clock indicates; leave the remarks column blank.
12:50
